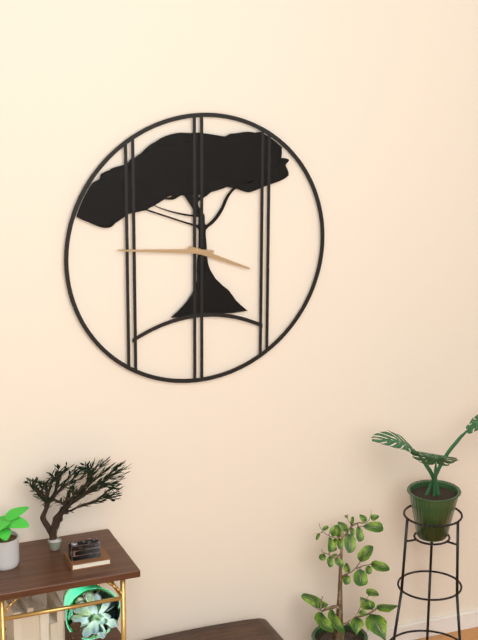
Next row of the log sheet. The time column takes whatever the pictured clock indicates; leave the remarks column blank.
3:46
